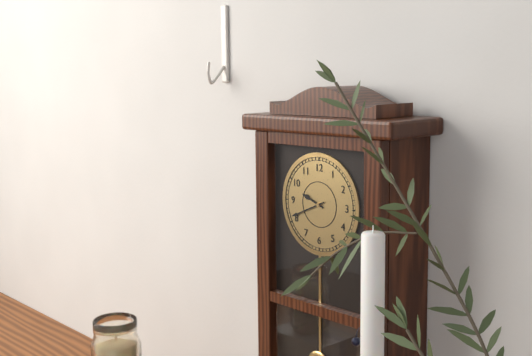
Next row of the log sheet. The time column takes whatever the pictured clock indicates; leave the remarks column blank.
9:41
